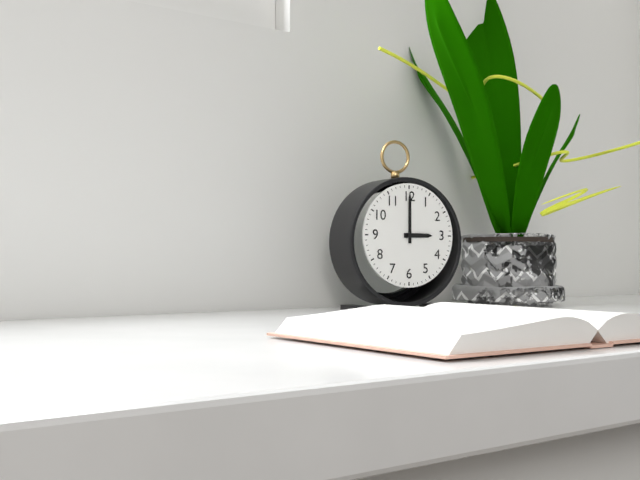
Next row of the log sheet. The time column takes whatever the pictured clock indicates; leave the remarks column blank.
3:00
